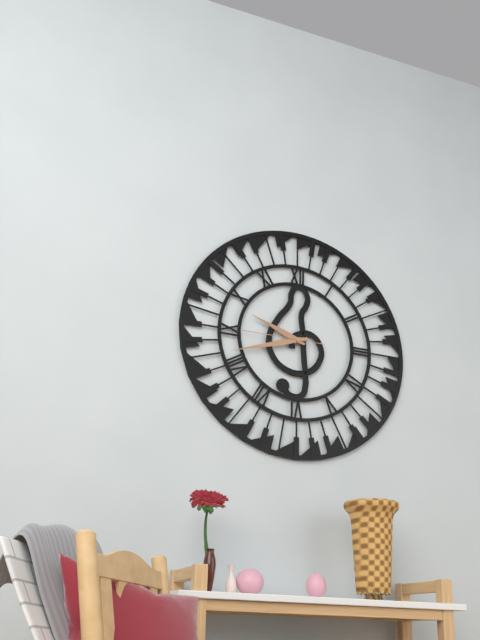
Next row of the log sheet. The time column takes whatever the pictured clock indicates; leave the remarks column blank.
9:42:45
